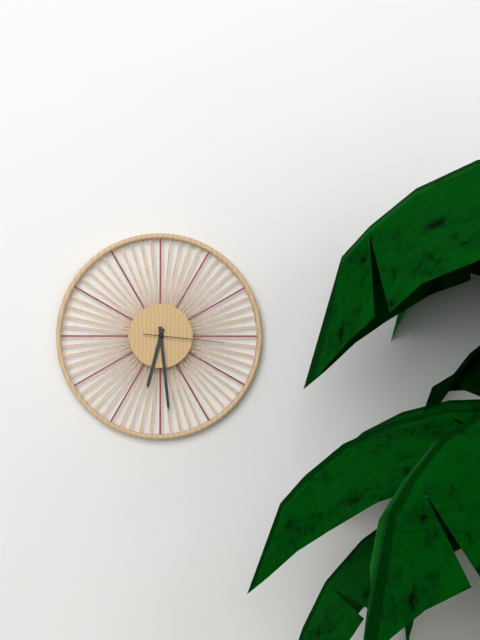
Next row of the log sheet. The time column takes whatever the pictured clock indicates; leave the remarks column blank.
6:29:16
